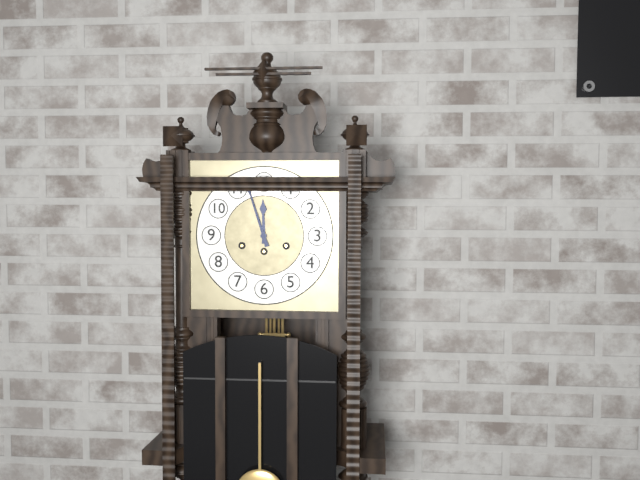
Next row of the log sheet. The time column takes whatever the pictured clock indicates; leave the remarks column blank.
11:57
